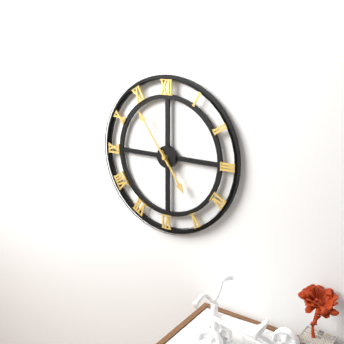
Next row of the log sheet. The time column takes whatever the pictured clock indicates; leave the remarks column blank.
4:54
